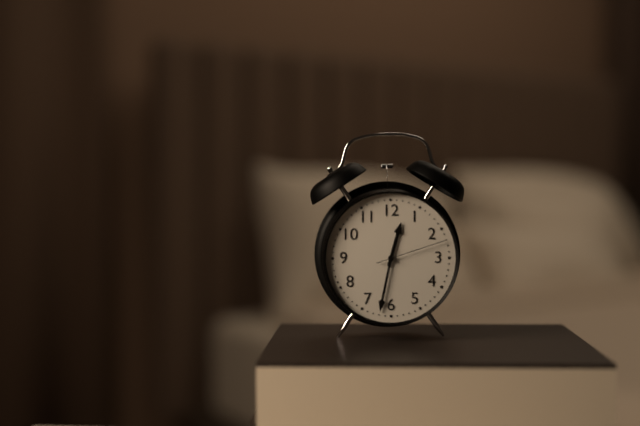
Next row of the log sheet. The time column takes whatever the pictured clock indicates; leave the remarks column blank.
12:32:12
